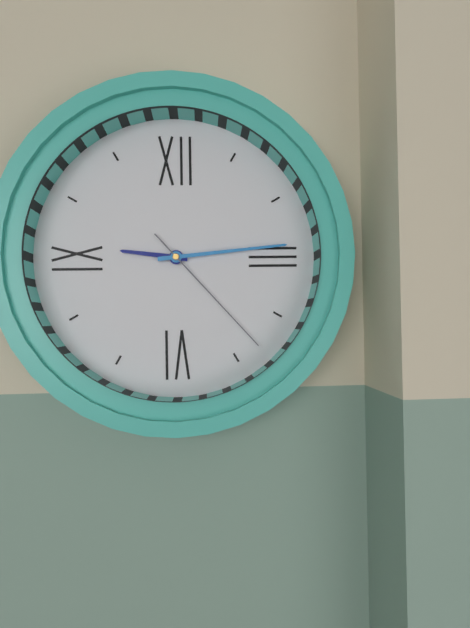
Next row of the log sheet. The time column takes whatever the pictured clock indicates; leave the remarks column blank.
9:14:23
